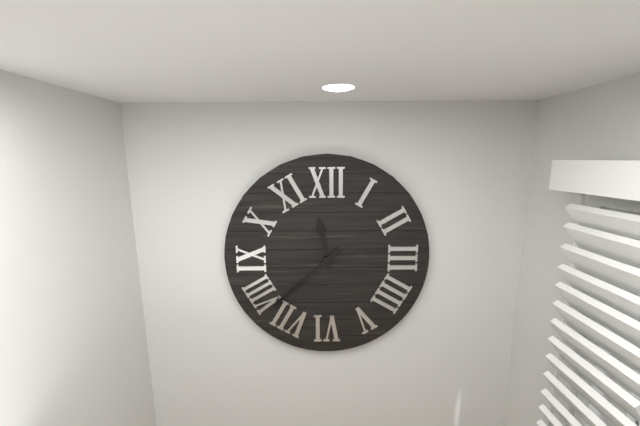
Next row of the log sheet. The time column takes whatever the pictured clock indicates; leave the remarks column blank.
11:38
